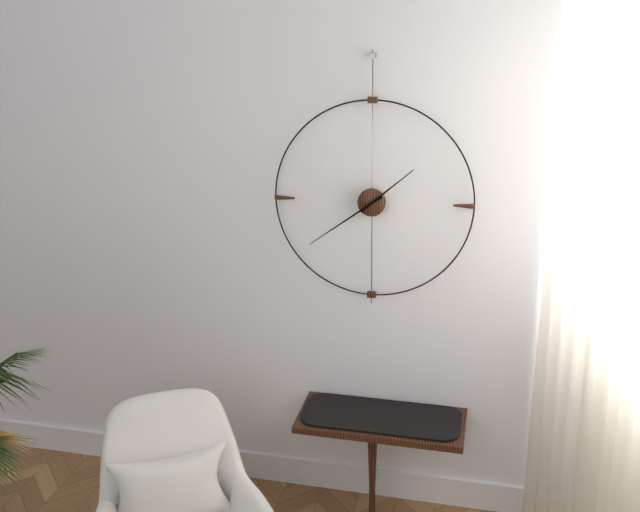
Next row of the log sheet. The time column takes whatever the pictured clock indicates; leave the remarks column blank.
1:39
